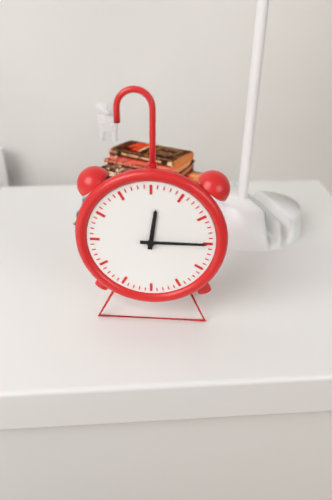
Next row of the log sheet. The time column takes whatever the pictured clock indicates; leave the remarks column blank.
12:15
